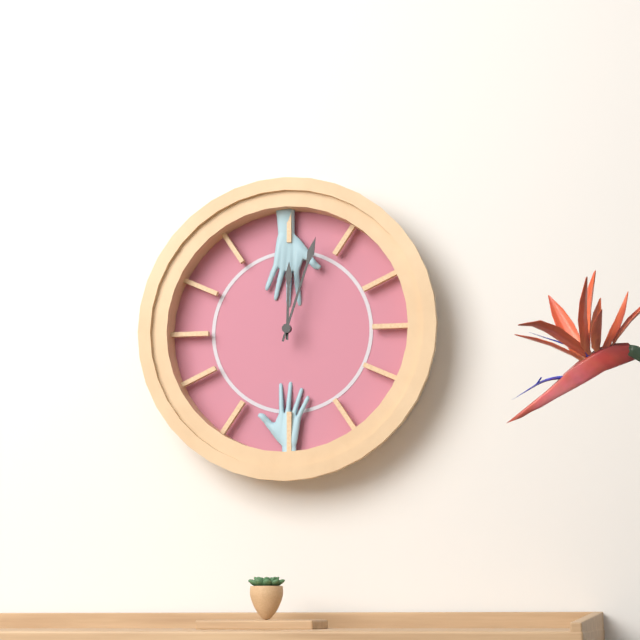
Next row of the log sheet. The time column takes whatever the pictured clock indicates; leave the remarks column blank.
12:03
